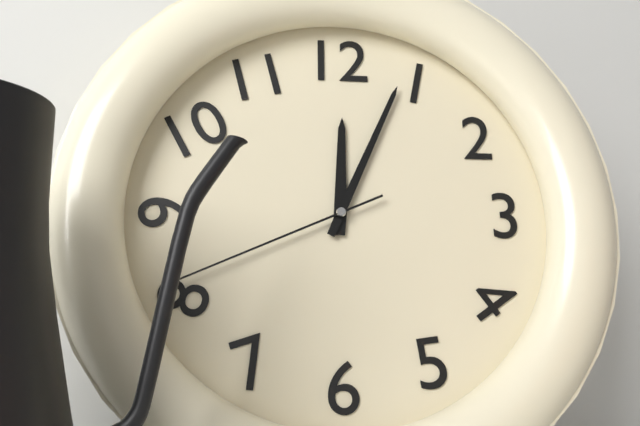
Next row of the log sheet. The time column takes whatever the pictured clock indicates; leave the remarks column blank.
12:04:41
